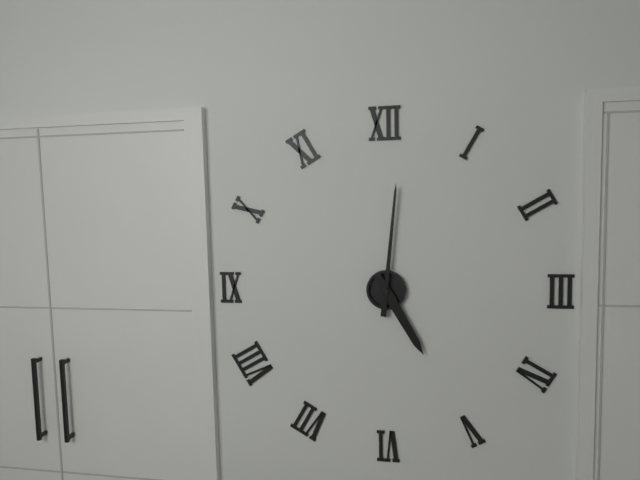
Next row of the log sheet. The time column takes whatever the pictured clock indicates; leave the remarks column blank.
5:01
